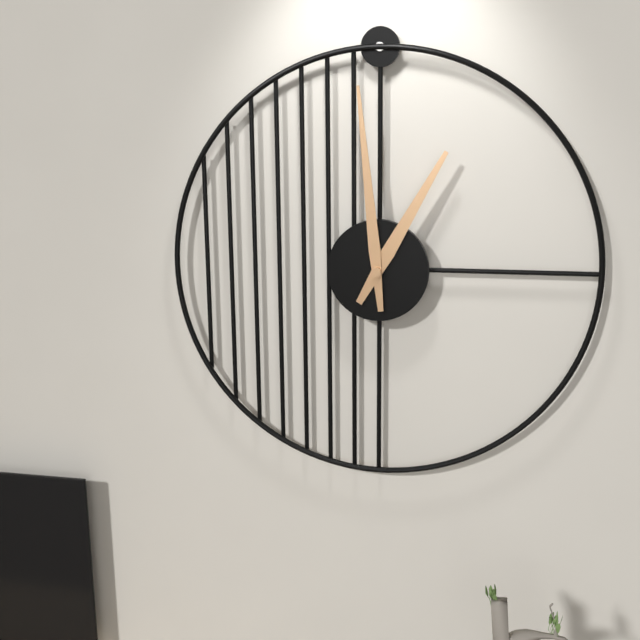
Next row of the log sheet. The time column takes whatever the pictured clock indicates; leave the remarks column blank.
12:59
